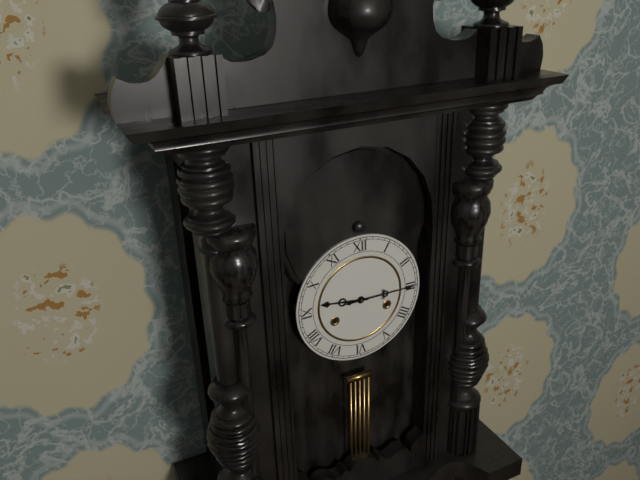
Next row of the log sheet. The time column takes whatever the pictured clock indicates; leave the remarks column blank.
9:15
